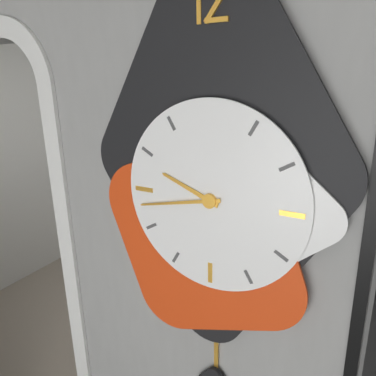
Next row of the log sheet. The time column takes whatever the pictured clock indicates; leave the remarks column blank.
9:43
